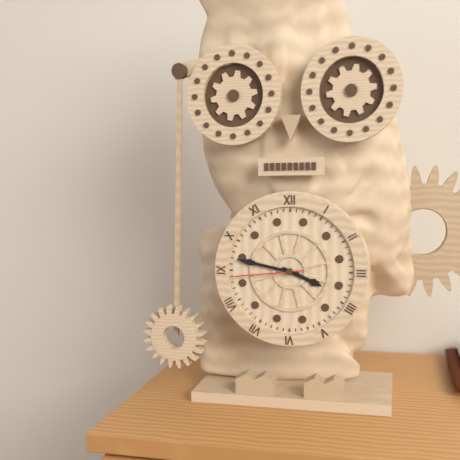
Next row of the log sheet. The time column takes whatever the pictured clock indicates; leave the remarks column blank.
3:47:44
